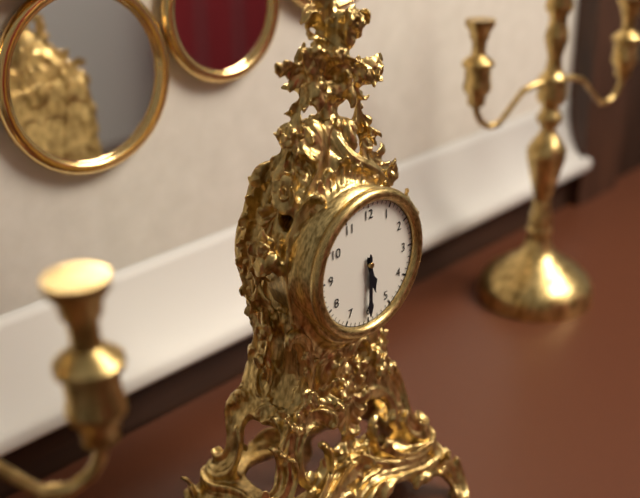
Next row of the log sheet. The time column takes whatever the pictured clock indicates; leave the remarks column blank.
5:30
